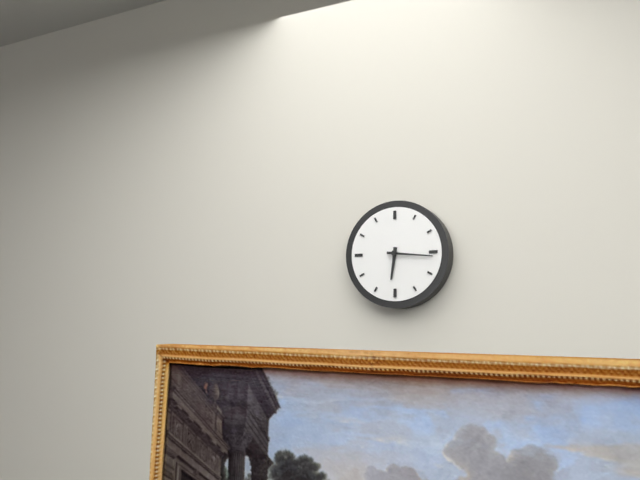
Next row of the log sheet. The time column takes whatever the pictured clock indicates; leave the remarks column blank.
6:16
